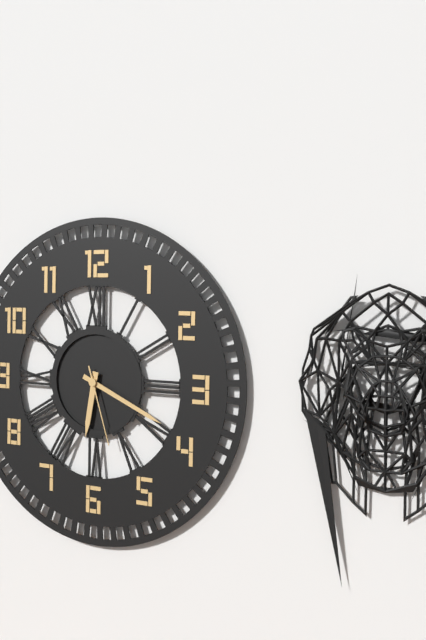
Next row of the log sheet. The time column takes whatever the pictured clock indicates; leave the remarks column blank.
6:19:27
